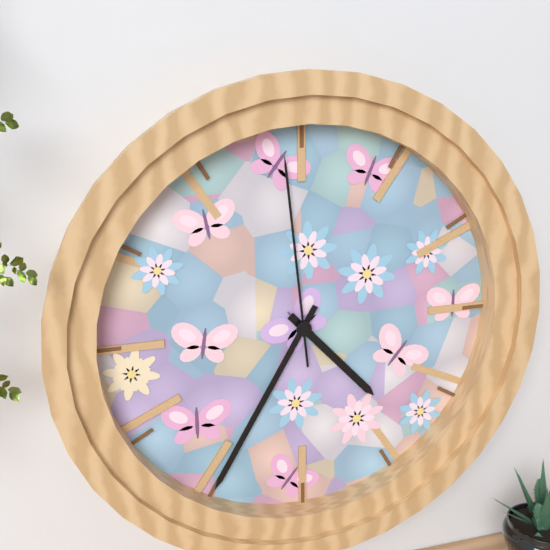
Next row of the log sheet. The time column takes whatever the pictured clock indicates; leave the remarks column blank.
4:35:59
